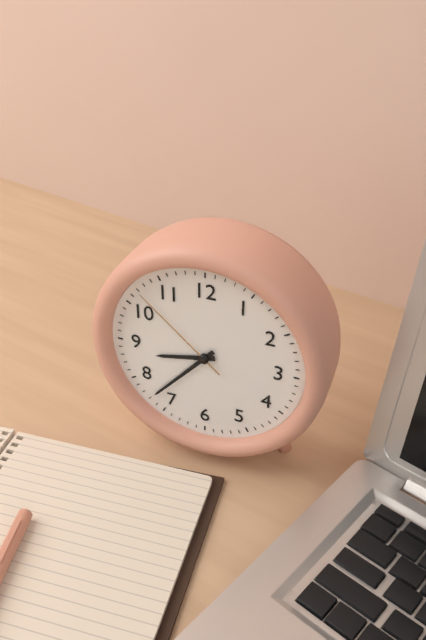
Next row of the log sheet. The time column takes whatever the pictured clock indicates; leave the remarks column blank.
8:37:52
